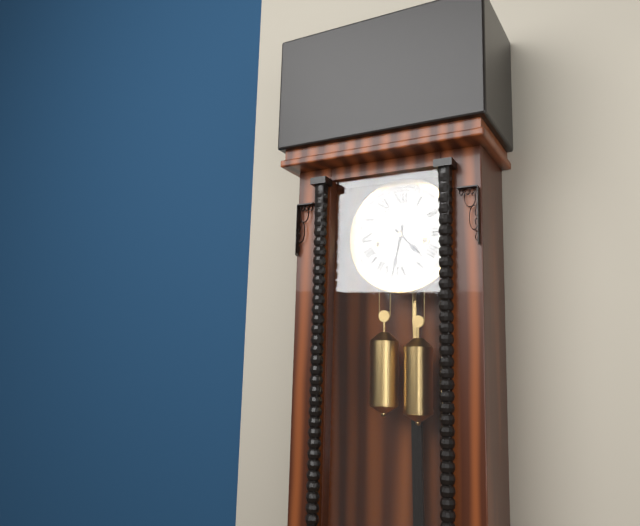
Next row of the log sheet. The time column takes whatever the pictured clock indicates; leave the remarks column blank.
4:32
